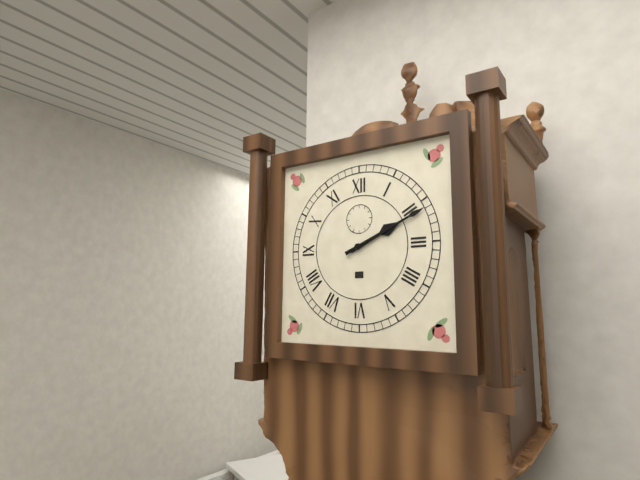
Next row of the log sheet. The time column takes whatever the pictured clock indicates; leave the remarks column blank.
2:11
